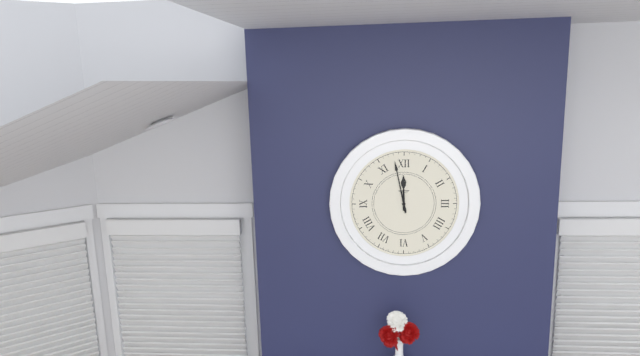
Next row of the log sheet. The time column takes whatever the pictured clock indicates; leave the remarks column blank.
11:58
